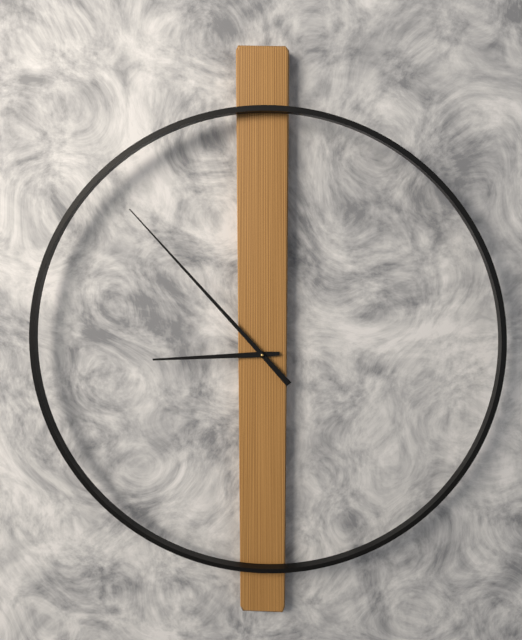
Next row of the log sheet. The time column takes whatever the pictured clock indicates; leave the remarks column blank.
8:53
